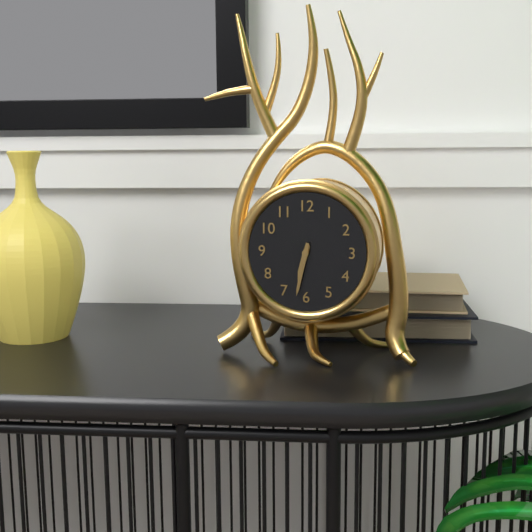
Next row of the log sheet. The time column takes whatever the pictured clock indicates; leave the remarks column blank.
6:32
